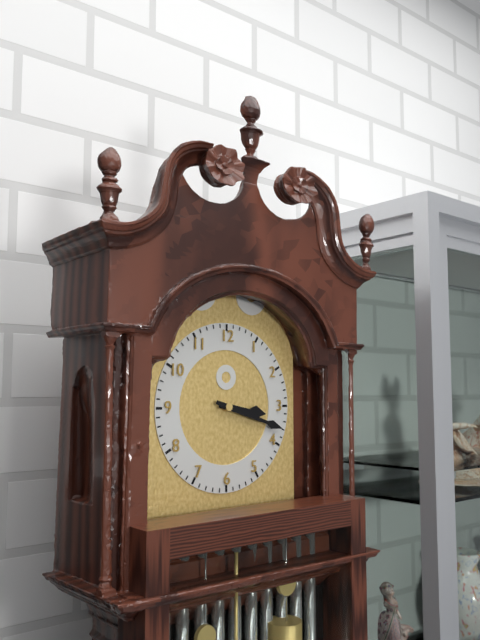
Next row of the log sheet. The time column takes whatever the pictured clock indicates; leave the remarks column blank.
3:18
